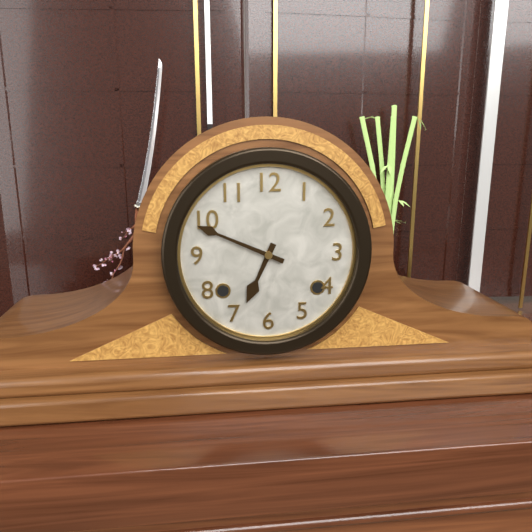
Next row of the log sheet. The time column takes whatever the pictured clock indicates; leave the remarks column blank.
6:49
